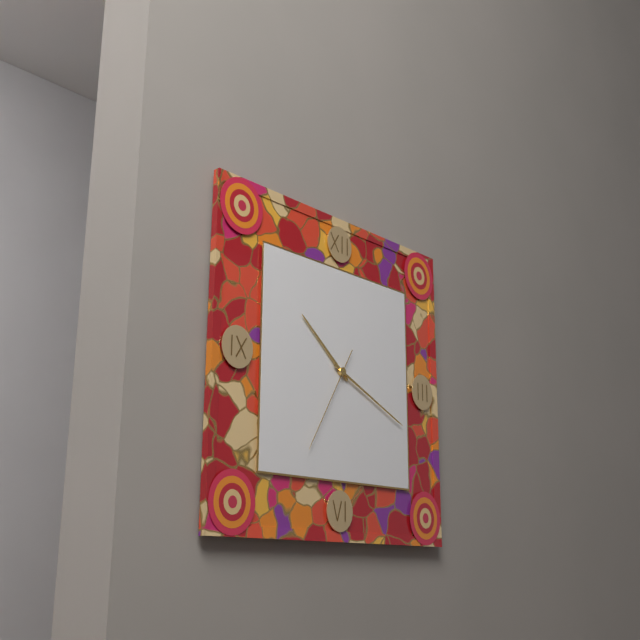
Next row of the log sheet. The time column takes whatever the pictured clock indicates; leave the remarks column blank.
10:19:35
